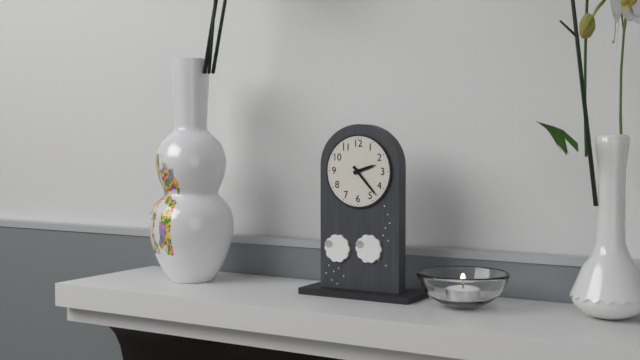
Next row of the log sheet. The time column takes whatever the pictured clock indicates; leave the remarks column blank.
2:23
